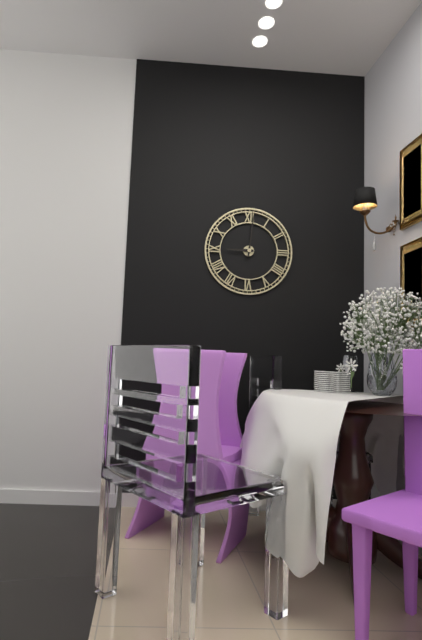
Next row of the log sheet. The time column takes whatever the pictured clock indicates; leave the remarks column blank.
9:01
